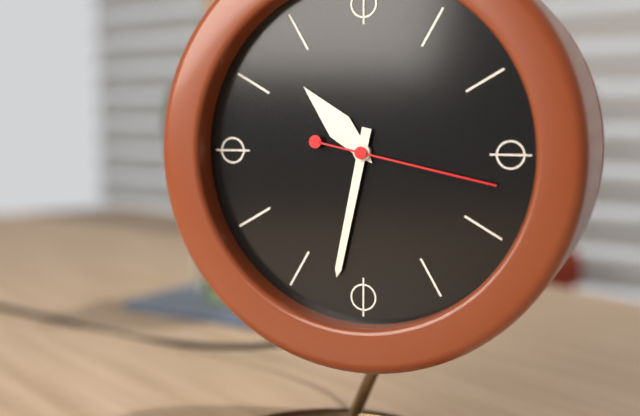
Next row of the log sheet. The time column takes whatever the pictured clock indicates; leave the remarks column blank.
10:32:17
